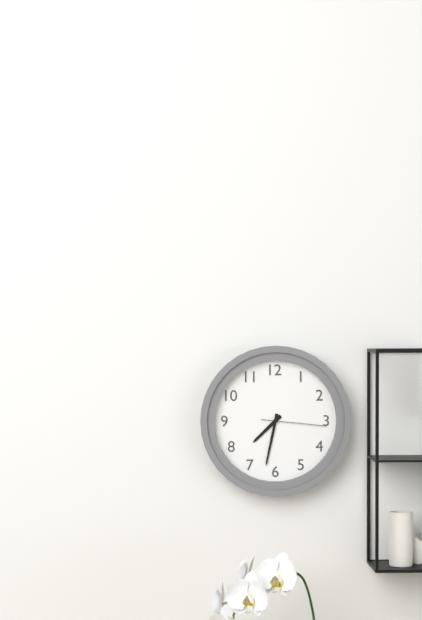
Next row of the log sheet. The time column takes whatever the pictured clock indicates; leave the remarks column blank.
7:32:16
